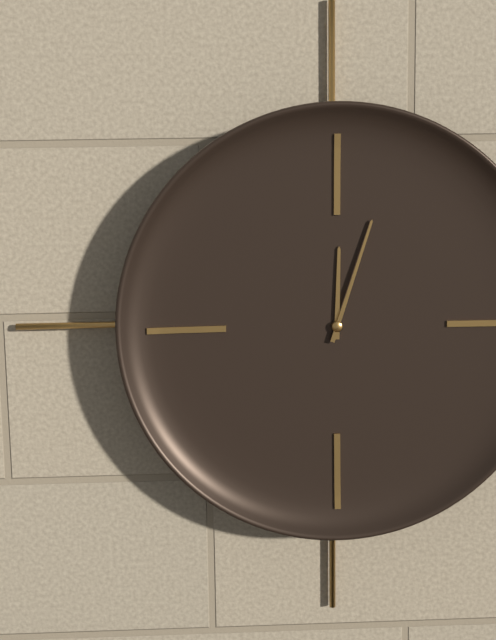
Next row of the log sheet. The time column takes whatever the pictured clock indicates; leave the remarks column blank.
12:03
